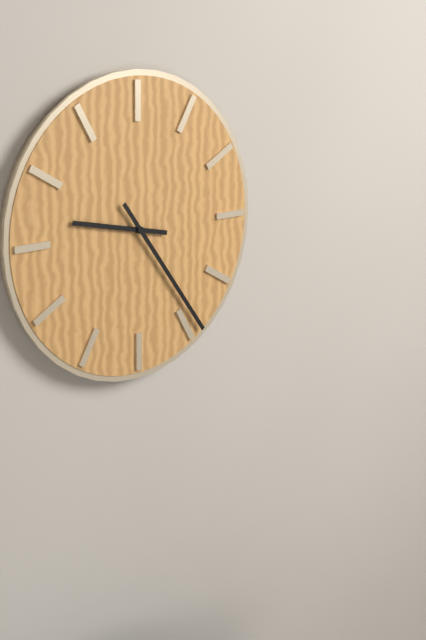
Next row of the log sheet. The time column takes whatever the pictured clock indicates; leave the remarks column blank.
9:24
